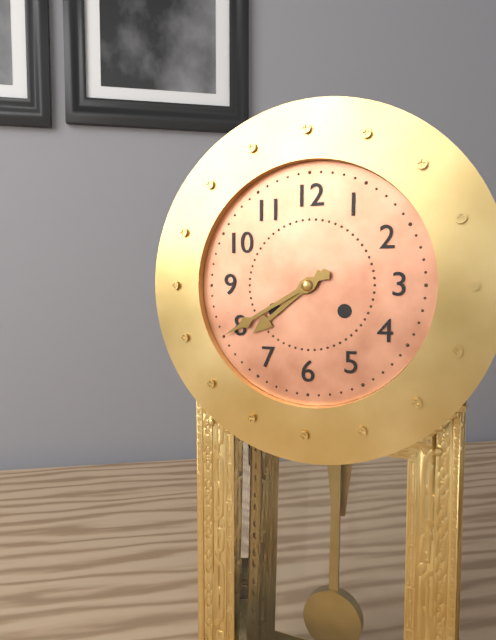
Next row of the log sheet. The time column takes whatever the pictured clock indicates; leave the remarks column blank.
7:40
